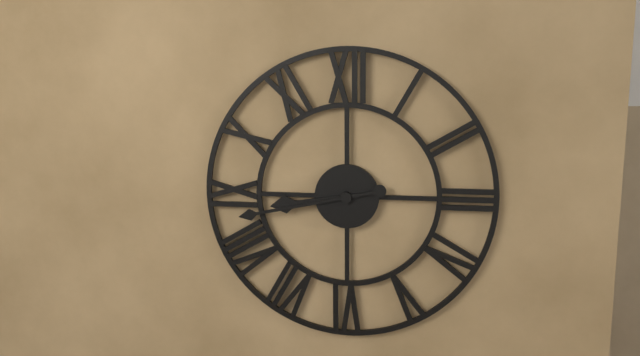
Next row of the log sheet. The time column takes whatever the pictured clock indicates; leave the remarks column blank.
8:43
